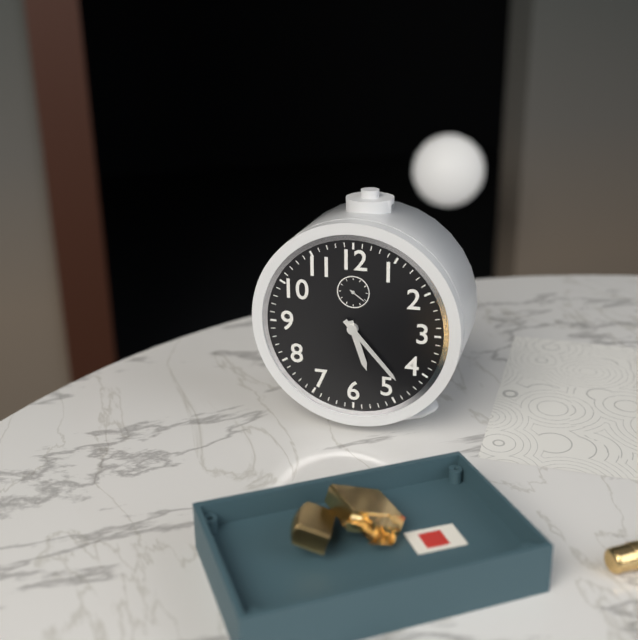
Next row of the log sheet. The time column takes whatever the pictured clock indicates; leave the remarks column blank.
5:23
